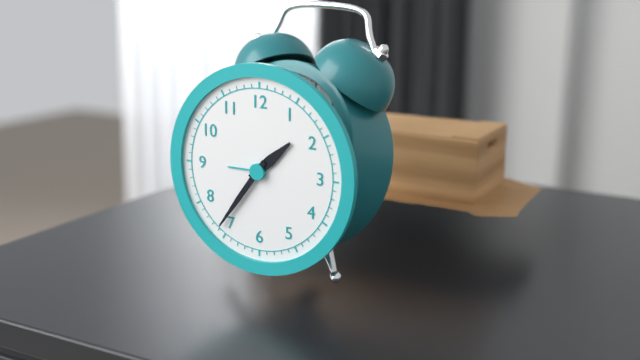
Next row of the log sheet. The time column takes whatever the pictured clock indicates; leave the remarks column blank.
1:36
